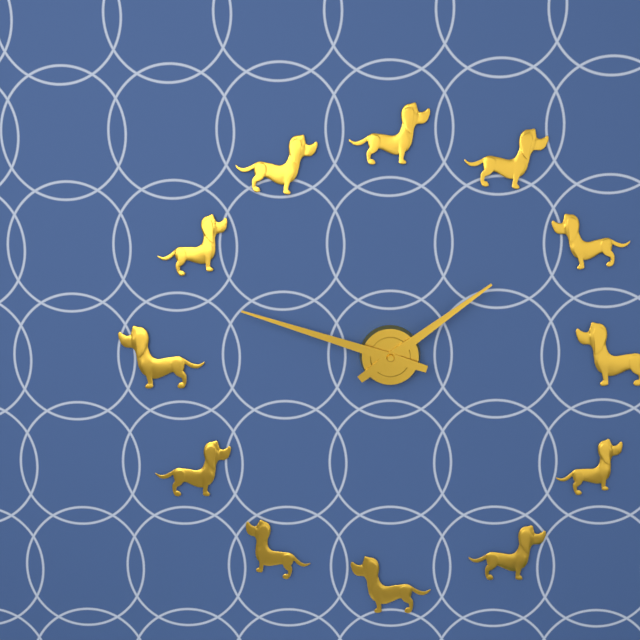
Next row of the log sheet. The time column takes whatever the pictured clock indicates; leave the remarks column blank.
1:48
